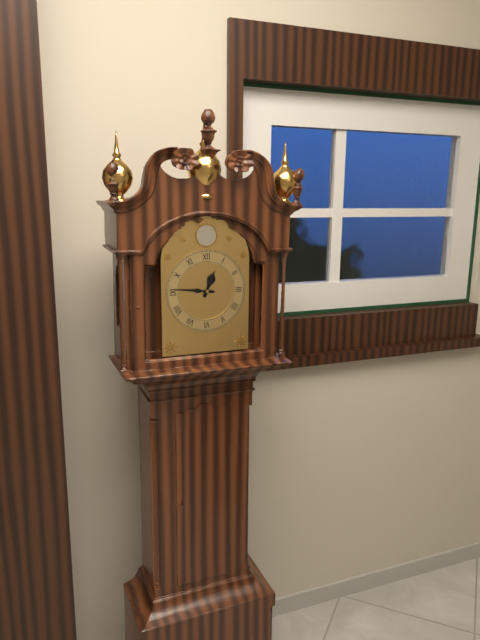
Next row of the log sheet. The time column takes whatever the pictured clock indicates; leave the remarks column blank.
12:46
